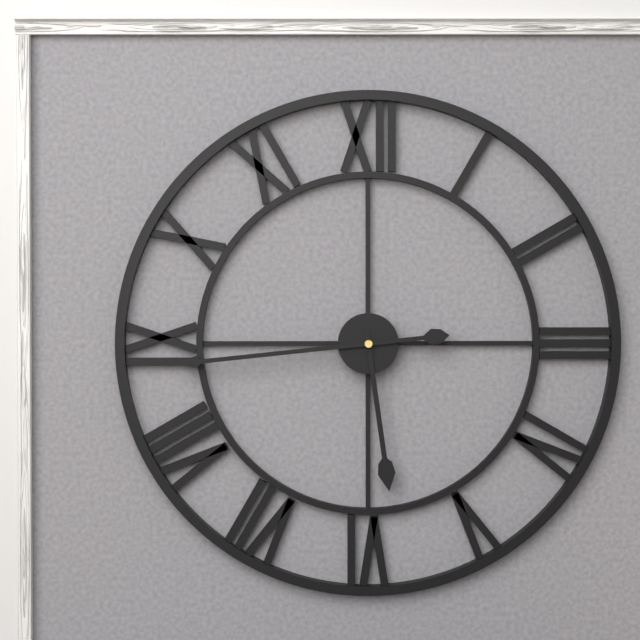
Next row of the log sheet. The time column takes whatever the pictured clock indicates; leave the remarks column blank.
5:44
